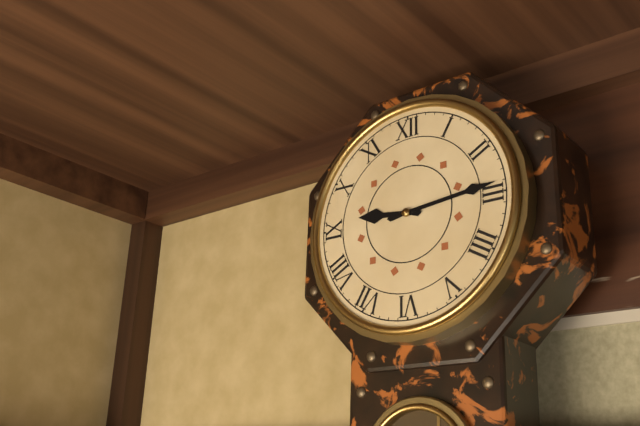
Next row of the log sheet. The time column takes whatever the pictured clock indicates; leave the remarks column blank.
9:14
